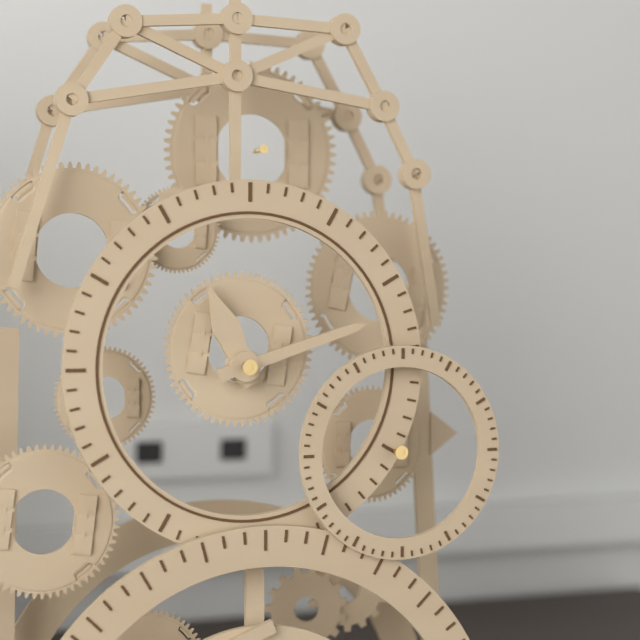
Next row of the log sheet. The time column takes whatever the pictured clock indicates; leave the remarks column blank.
11:12
